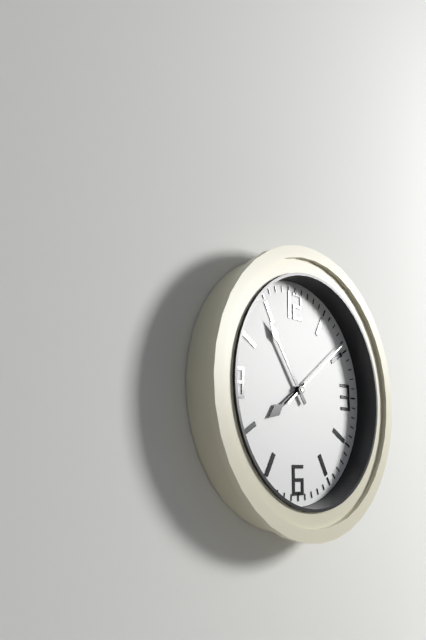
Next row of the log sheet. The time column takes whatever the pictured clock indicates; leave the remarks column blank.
7:54:09
